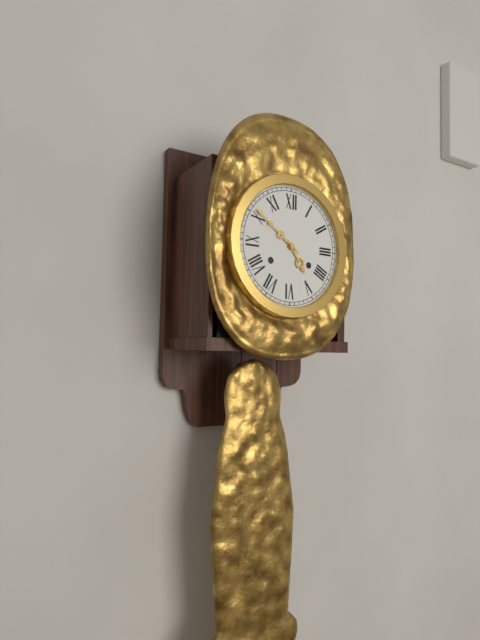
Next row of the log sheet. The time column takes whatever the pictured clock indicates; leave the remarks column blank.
4:51
